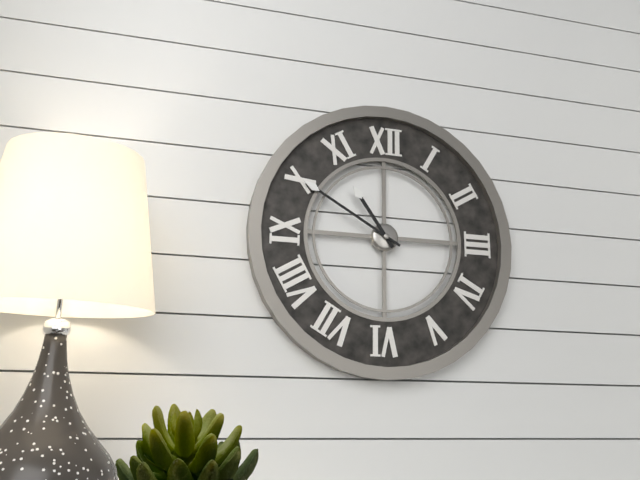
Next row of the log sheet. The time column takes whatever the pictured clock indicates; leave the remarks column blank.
10:50
